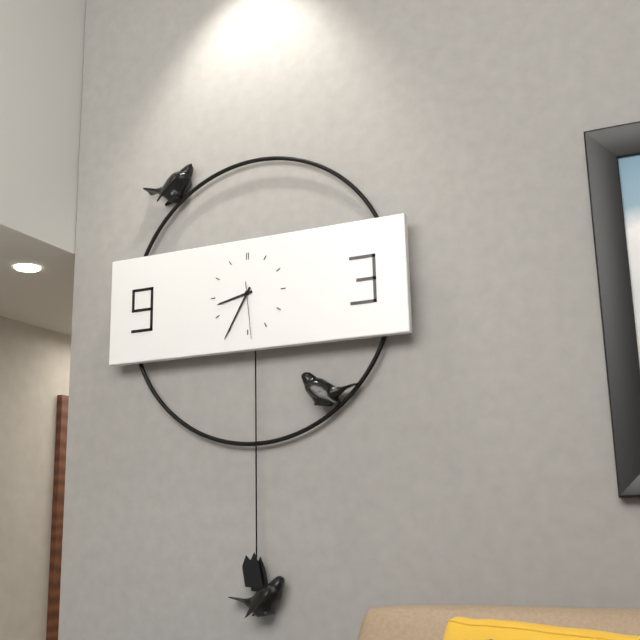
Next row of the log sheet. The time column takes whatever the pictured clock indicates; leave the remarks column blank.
8:35:29
